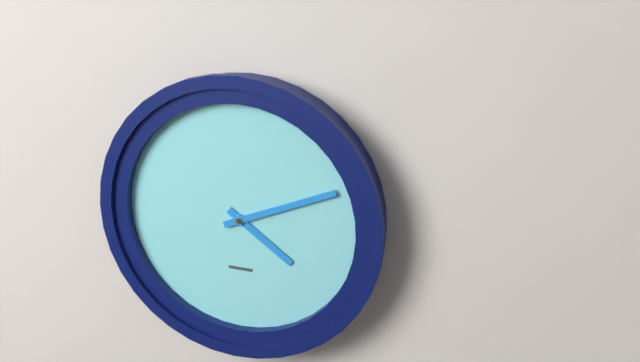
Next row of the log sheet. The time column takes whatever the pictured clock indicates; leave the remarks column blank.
4:11
